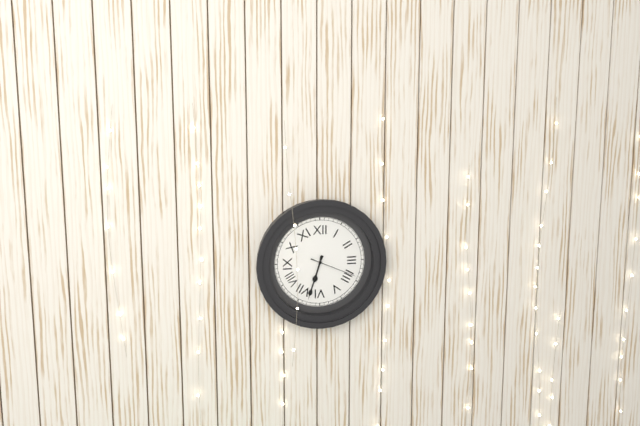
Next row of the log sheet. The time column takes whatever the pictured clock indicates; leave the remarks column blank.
6:33
